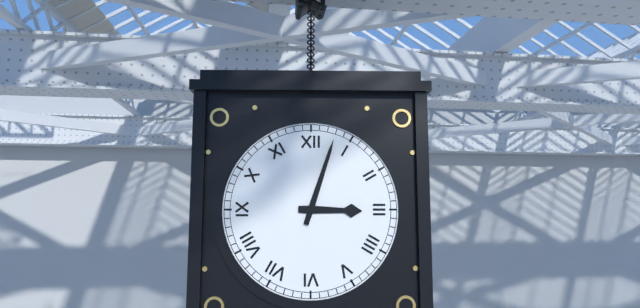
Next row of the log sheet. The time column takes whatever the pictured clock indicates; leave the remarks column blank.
3:03
